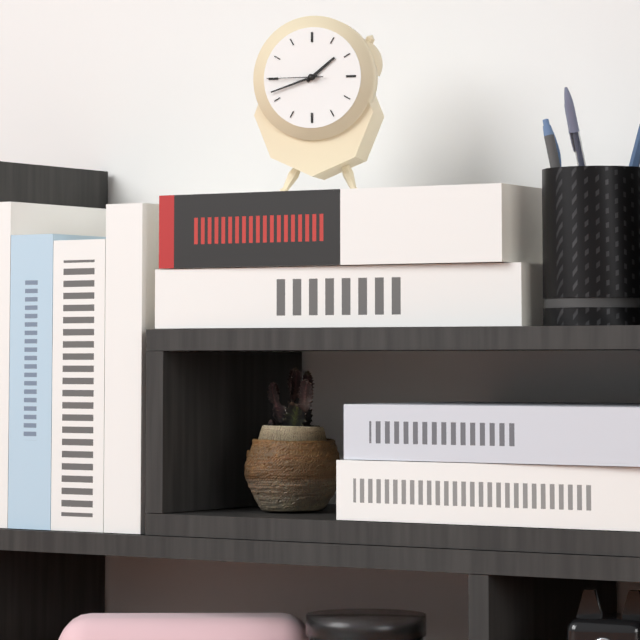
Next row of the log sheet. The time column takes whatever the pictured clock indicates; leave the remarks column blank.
1:42:45
